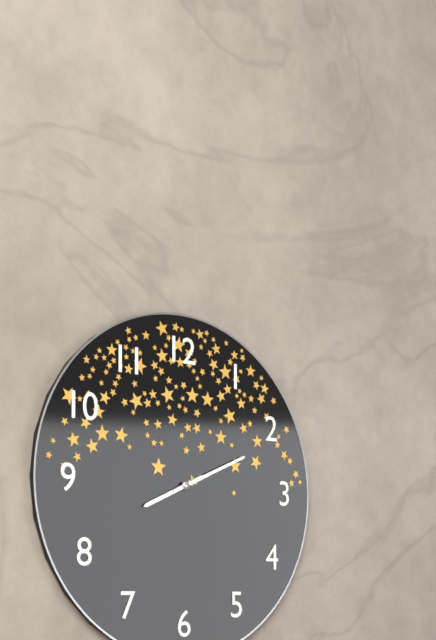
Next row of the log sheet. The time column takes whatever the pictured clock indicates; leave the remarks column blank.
8:11
